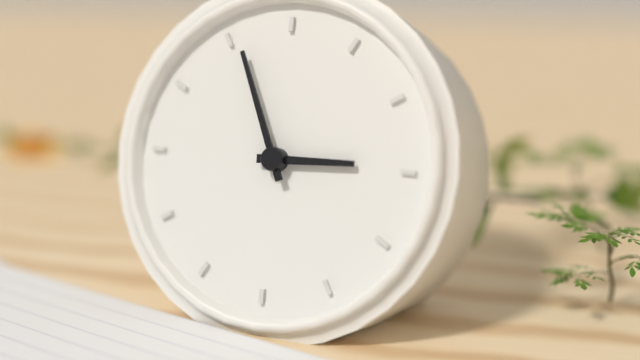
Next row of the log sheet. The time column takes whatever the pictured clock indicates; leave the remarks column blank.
2:56
